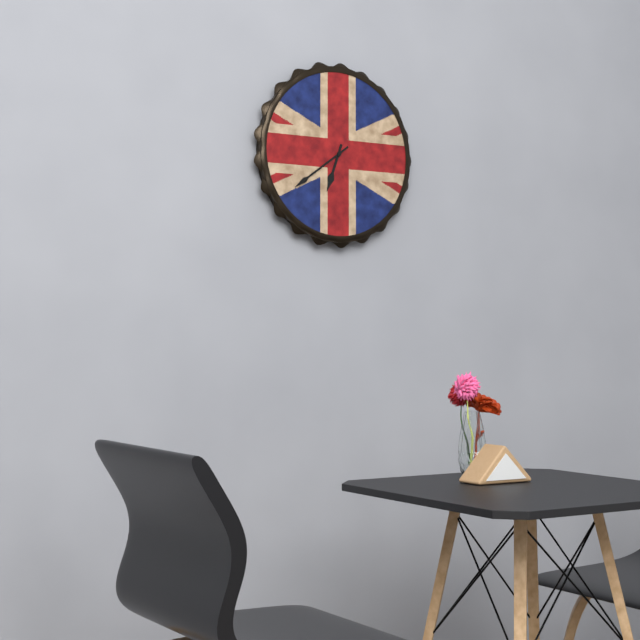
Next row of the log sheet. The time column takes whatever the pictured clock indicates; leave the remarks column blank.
6:39
